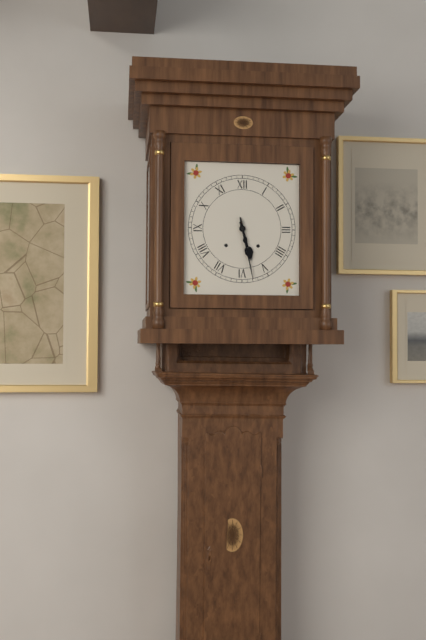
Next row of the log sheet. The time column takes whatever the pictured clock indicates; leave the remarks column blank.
5:28
